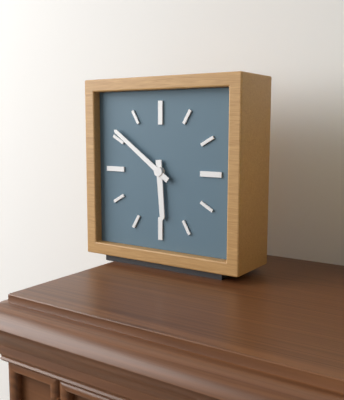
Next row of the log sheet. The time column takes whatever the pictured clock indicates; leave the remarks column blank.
5:51
